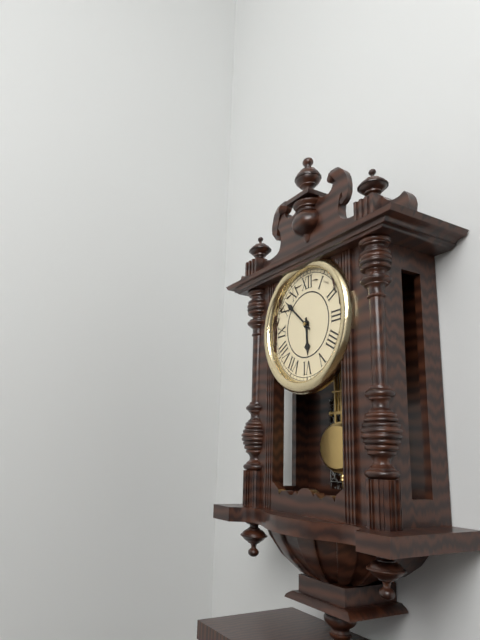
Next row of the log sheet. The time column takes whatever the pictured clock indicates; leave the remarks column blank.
5:52
